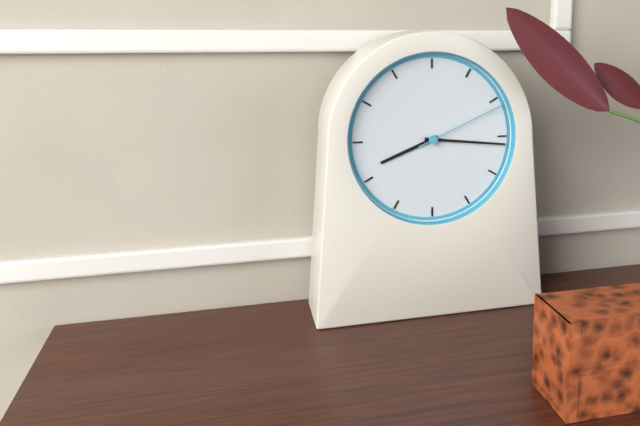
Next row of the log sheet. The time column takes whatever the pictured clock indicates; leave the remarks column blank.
8:16:11
